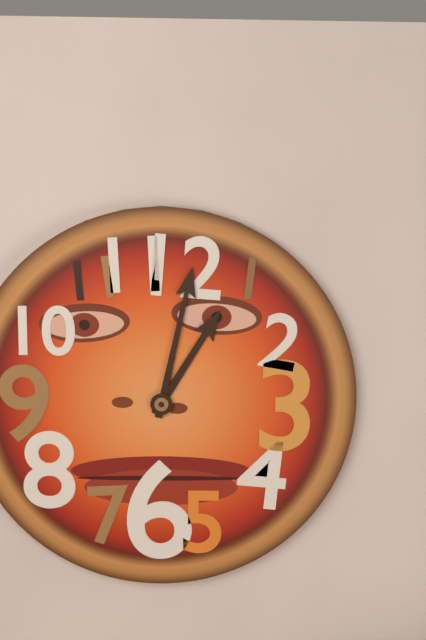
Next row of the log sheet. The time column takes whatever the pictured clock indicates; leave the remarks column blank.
1:02
